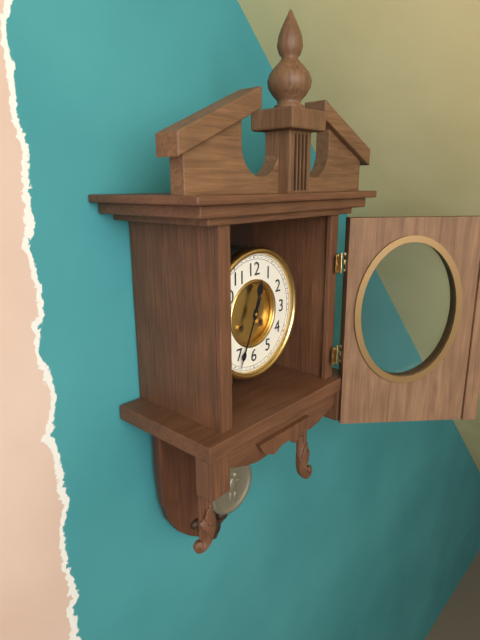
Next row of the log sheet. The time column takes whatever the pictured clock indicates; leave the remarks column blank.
12:34
